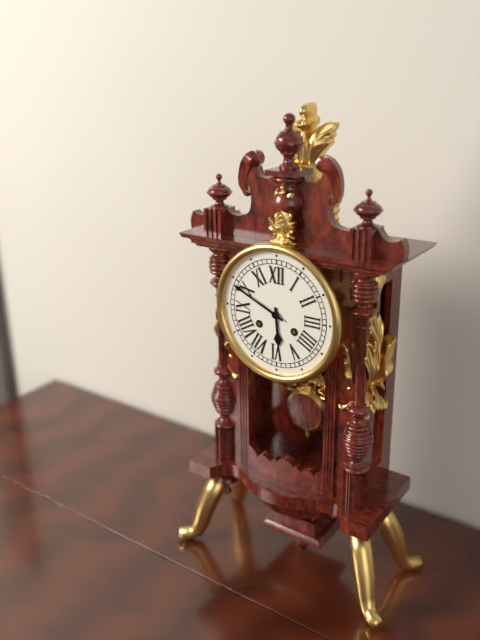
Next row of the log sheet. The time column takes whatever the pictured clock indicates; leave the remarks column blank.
5:49
